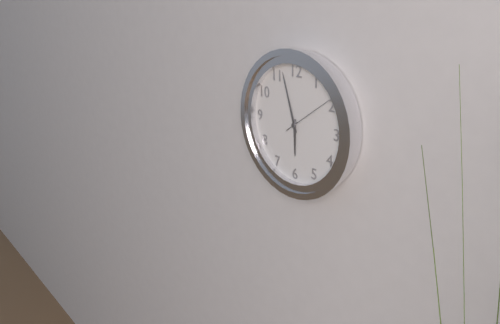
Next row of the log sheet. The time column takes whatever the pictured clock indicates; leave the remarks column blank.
5:57:09
